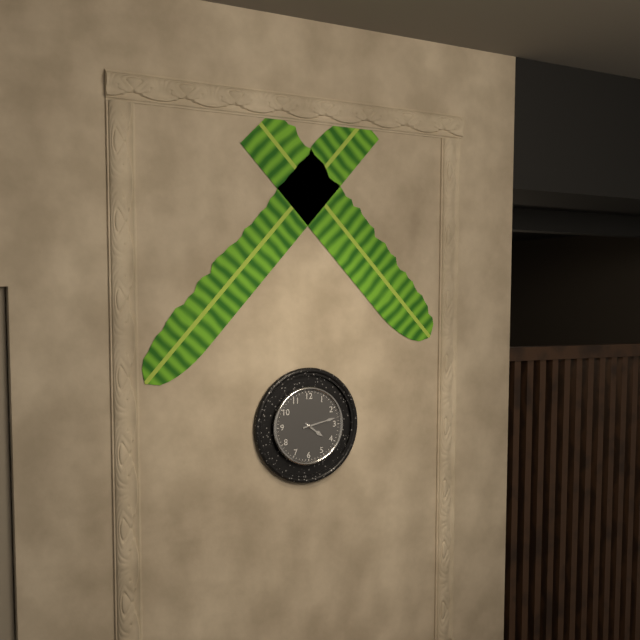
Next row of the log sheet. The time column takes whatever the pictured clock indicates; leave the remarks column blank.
4:13
